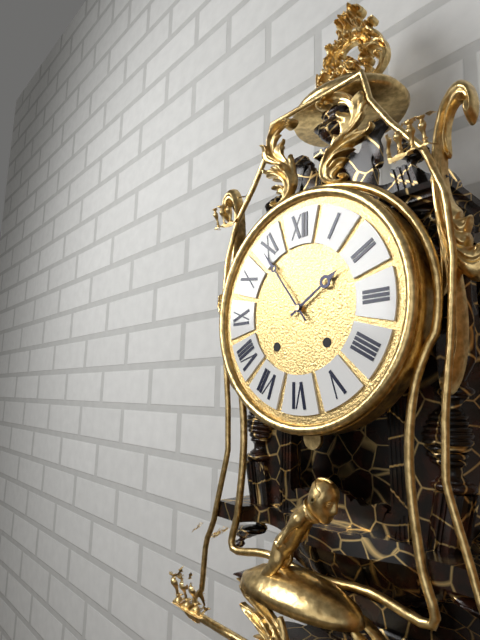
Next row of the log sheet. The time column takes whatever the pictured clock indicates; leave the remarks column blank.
1:54
